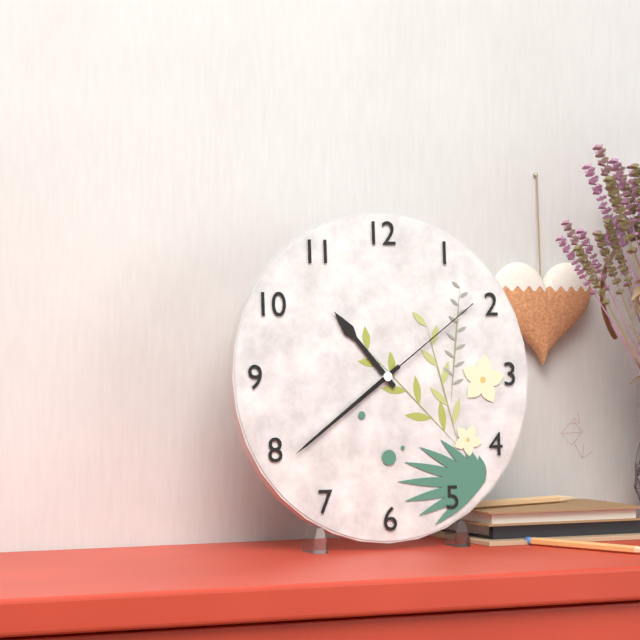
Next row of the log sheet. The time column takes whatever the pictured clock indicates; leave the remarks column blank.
10:39:09
